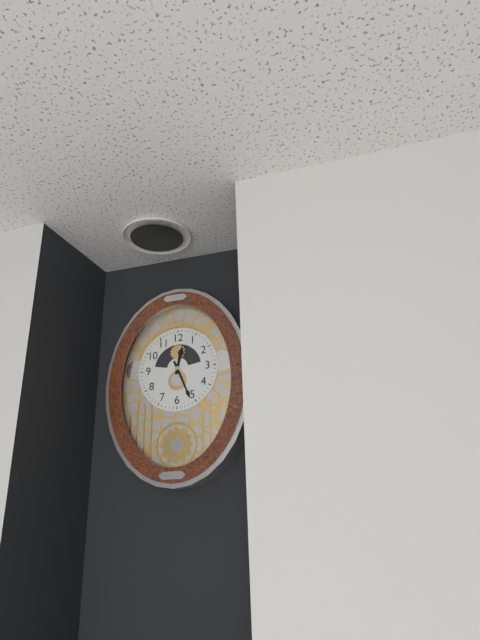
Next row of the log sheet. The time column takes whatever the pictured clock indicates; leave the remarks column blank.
12:26
